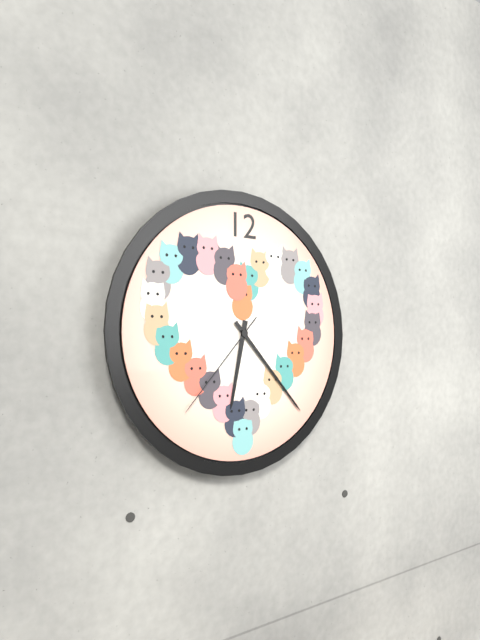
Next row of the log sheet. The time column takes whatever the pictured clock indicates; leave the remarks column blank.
6:23:37
